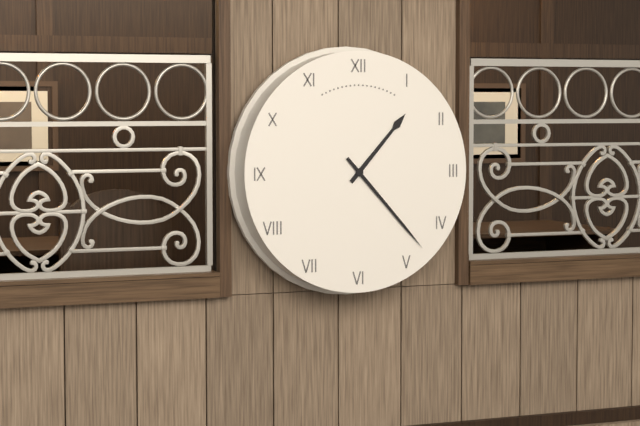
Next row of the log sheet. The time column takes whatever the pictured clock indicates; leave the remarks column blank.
1:23
